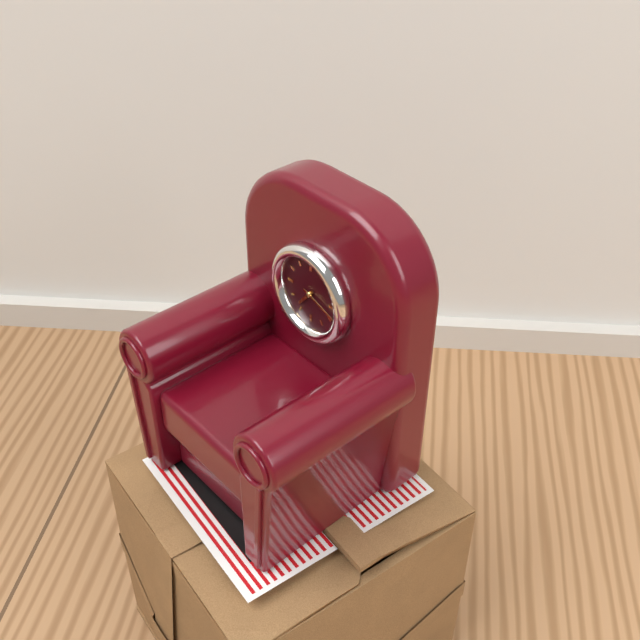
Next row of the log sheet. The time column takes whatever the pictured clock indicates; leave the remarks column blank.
7:18
